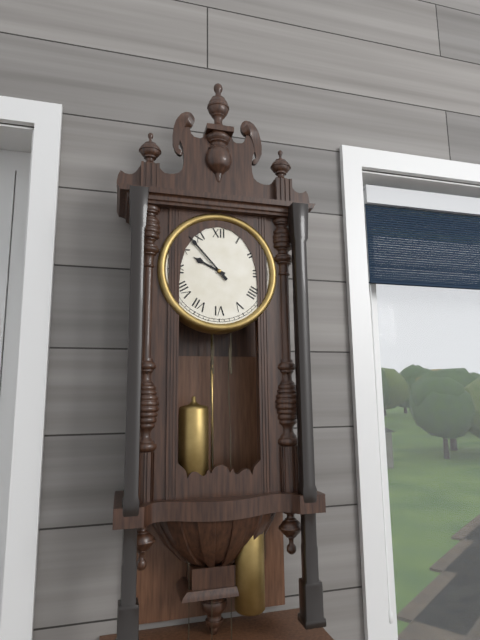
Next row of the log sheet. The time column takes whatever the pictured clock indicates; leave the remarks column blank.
9:53
